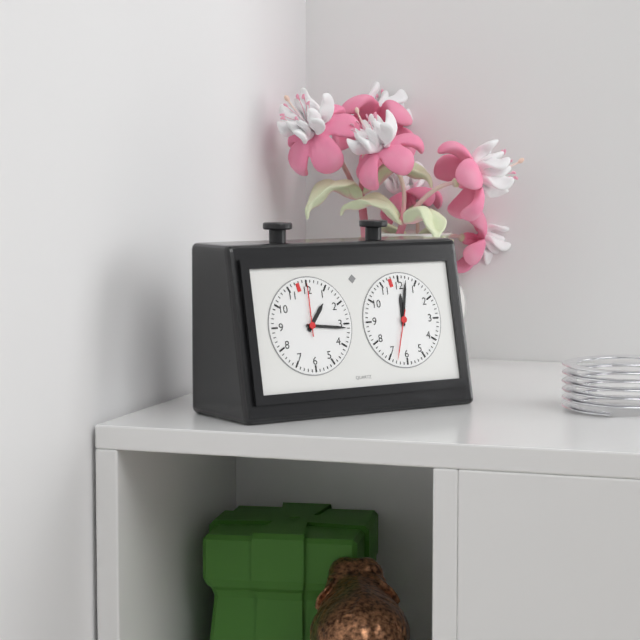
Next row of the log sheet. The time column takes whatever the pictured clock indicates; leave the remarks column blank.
1:16:00
